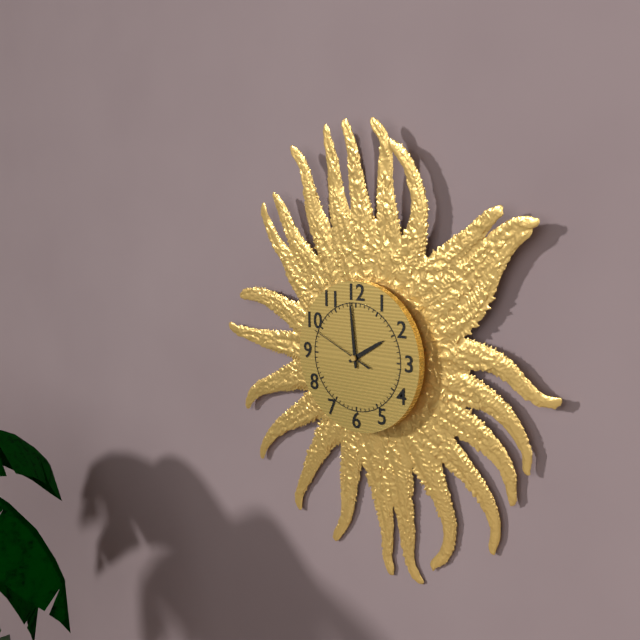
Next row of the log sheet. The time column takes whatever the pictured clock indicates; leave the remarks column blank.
1:59:49
